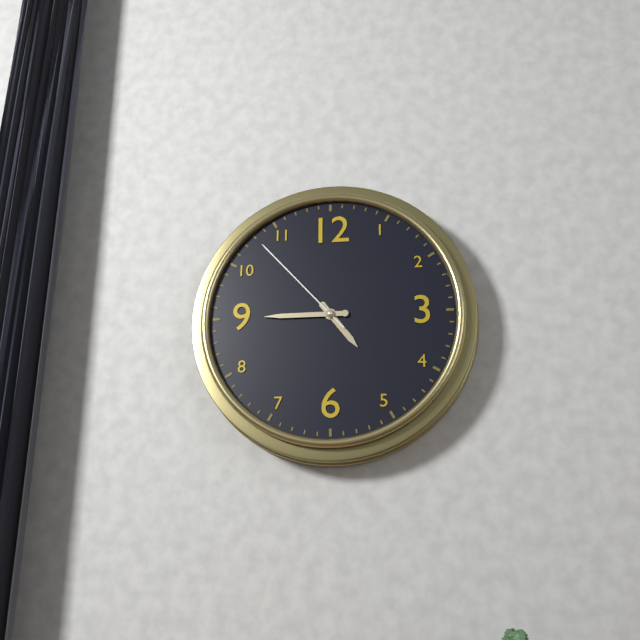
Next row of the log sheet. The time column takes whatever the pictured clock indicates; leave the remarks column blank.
4:45:53
